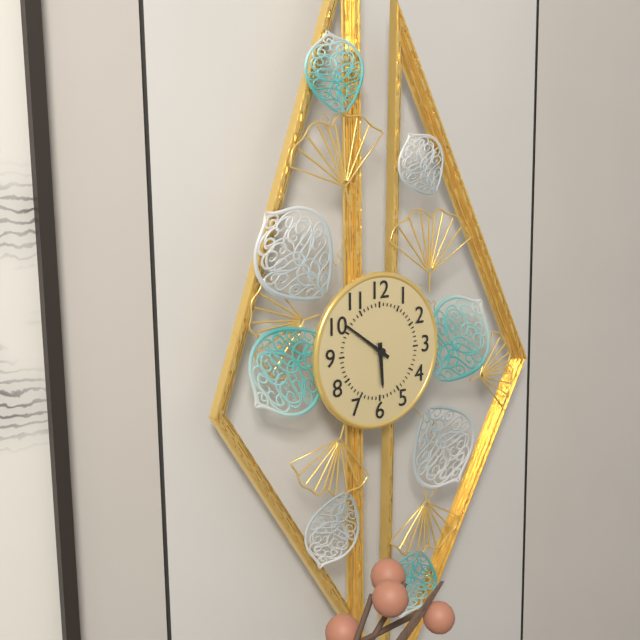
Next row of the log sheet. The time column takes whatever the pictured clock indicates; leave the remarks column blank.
5:51
